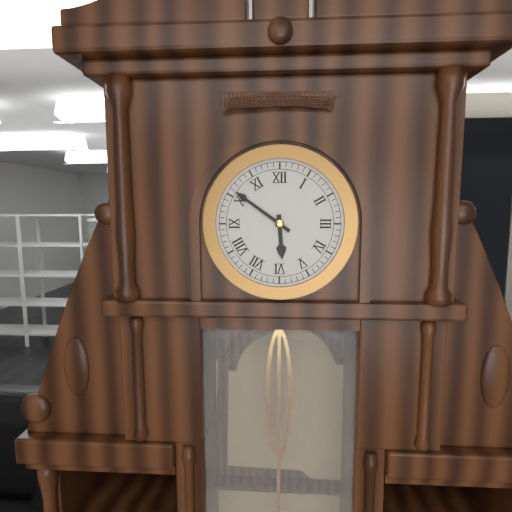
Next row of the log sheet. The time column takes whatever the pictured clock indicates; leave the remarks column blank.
5:51
